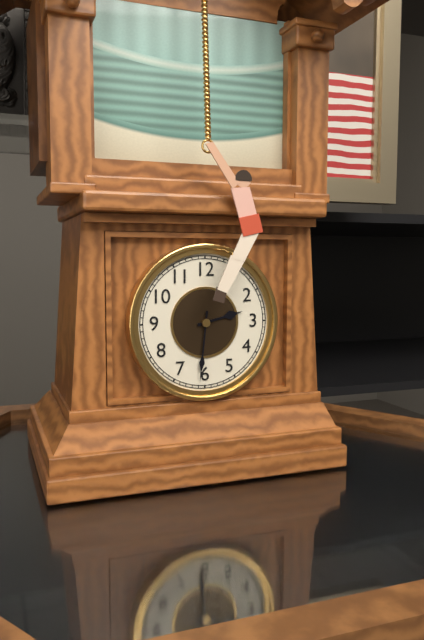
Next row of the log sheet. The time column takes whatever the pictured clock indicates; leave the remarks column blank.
2:31
